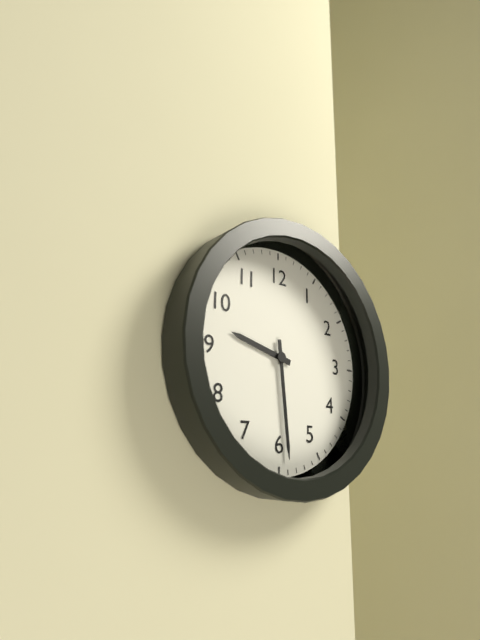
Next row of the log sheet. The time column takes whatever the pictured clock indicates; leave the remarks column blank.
9:29
